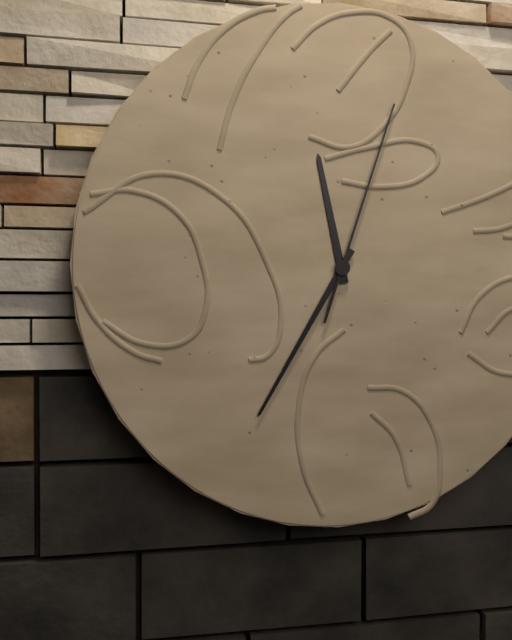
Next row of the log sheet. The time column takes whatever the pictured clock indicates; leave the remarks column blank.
11:35:03
